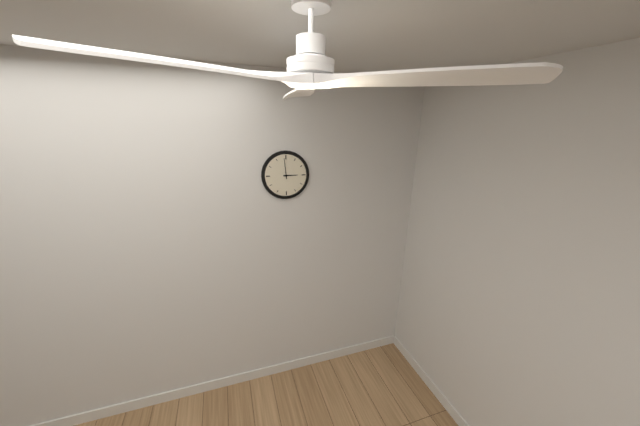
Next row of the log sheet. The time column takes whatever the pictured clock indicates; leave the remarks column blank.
2:59
